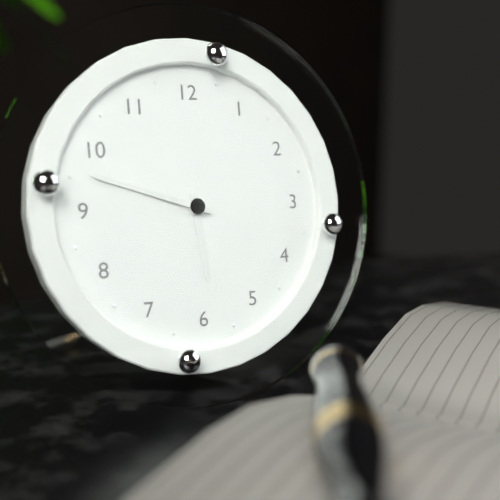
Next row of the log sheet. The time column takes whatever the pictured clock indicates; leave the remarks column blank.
5:48
